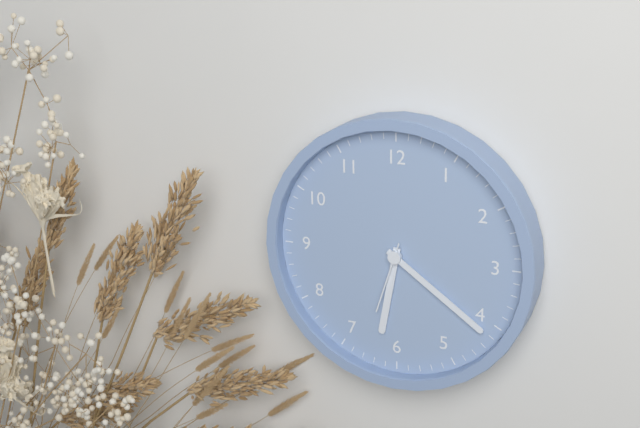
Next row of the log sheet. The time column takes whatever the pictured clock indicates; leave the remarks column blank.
6:21:33
